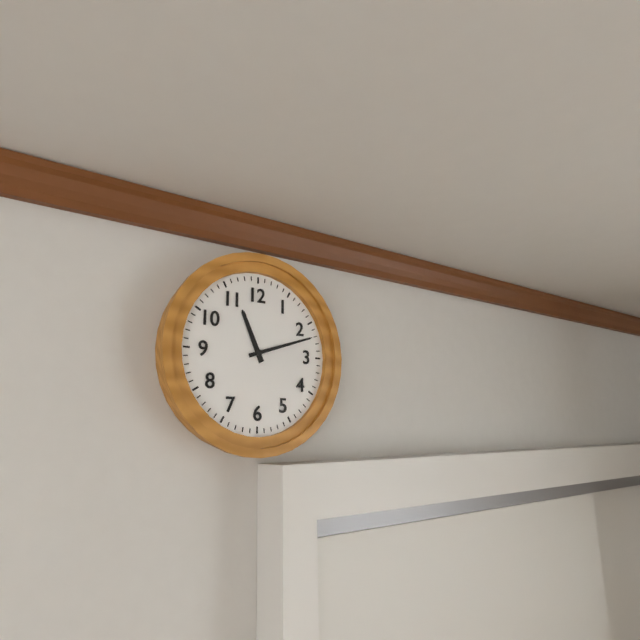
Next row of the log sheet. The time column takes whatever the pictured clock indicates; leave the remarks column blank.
11:12
